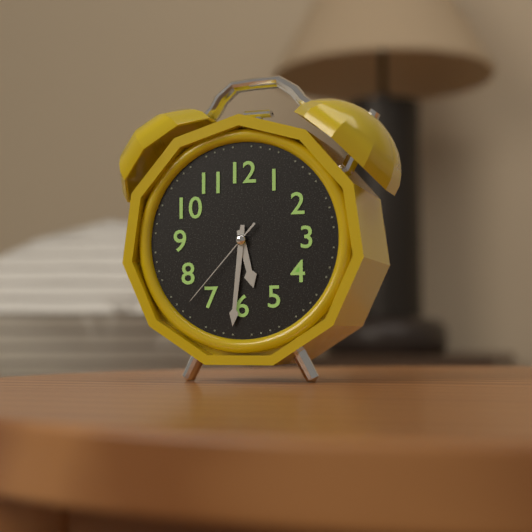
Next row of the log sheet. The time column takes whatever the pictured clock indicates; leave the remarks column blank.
5:31:37
